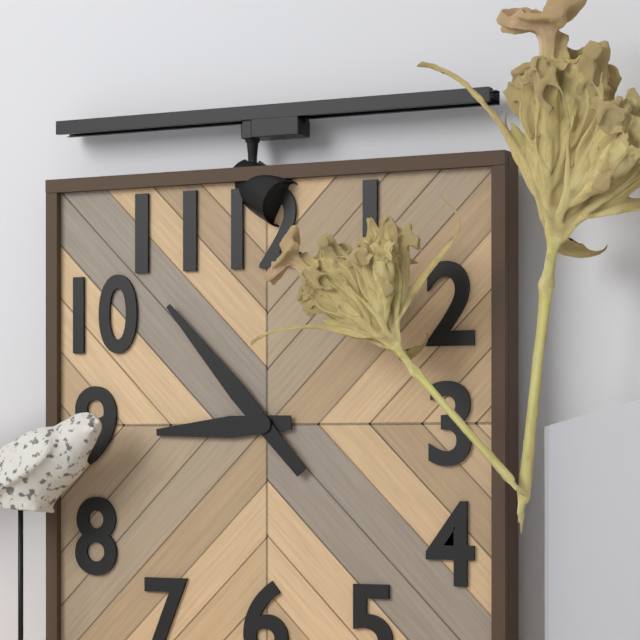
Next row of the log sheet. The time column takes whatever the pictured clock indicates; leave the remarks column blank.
8:53
